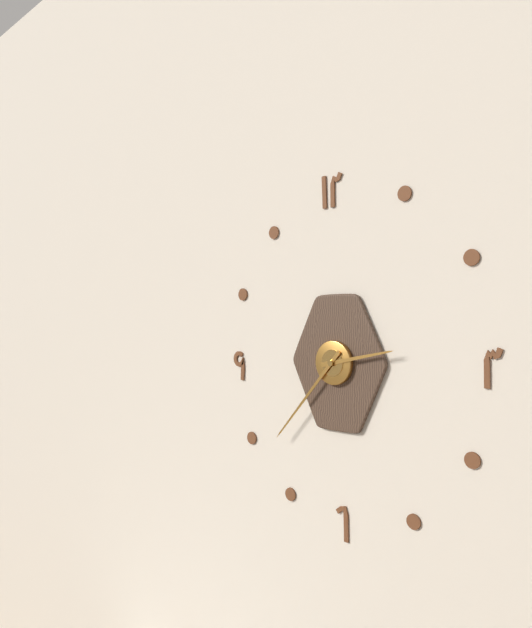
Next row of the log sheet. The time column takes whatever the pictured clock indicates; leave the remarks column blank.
2:37
